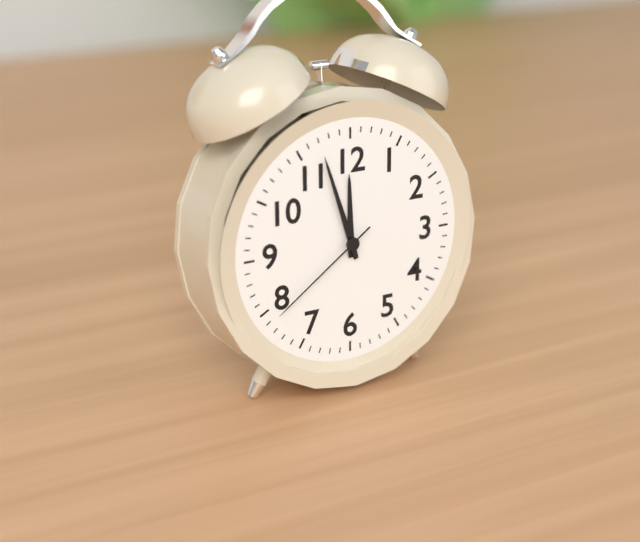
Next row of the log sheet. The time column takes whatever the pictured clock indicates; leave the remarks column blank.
11:57:39
